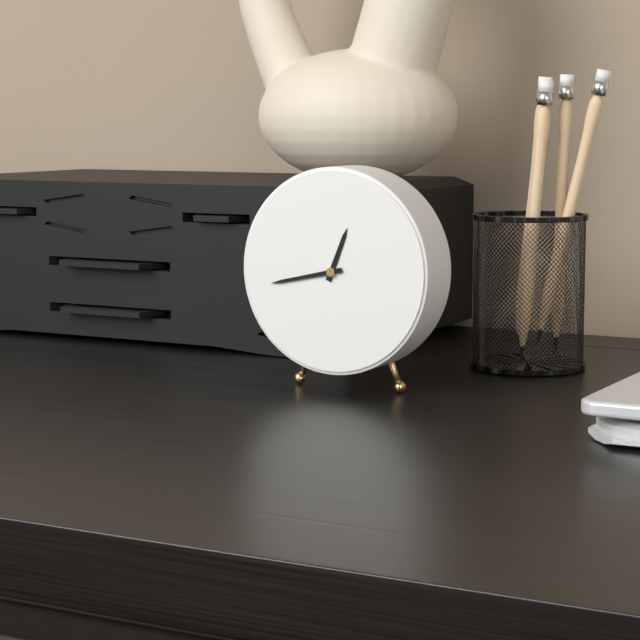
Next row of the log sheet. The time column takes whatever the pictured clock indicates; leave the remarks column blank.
12:43
